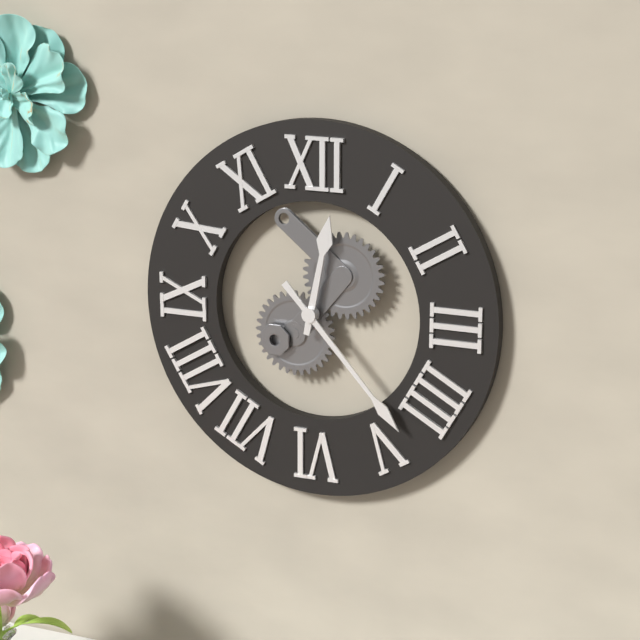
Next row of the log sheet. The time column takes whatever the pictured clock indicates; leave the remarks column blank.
12:23
